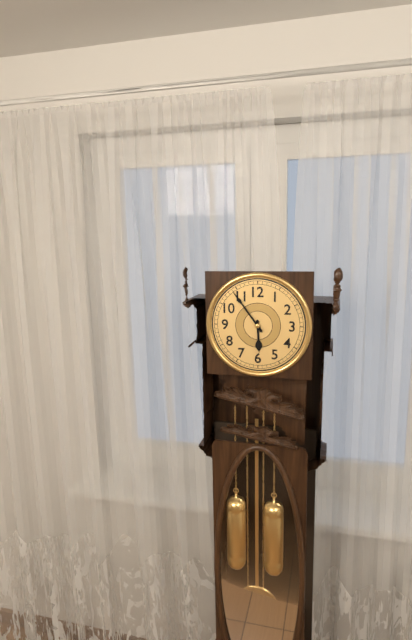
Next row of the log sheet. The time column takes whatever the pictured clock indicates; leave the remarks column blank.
5:54
